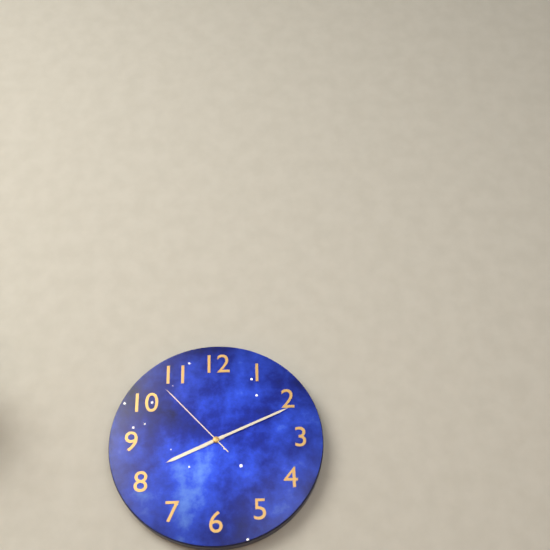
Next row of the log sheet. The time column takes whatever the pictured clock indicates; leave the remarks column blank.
8:11:53
